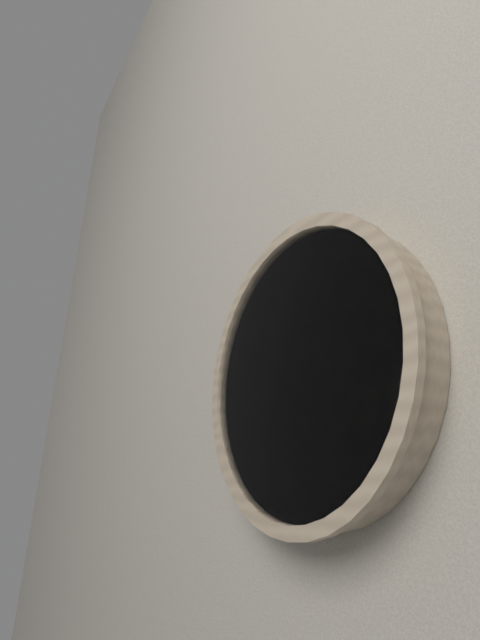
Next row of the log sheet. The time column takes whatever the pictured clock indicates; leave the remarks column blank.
9:03:52
